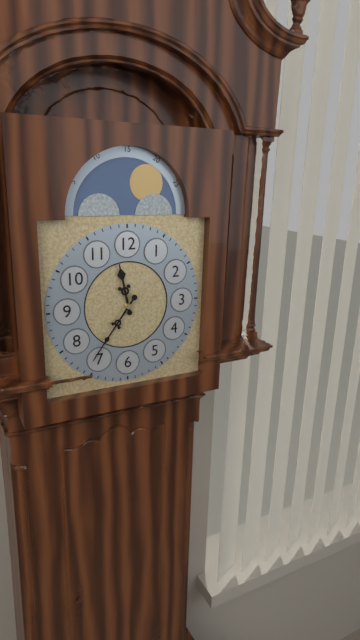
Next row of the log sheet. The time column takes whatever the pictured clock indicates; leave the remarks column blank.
11:36
